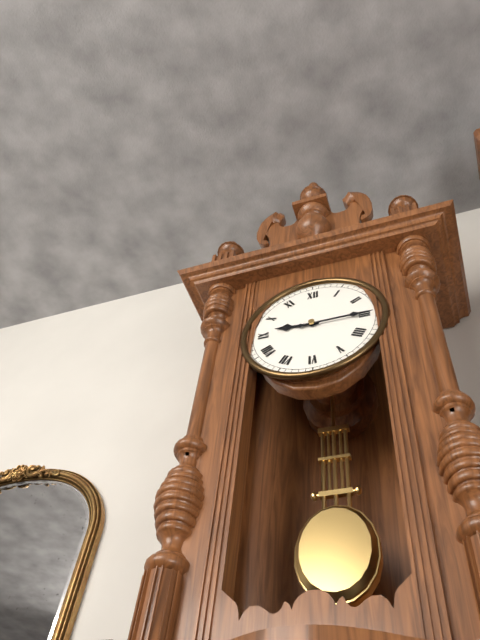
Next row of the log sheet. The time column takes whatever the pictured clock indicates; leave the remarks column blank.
9:15
